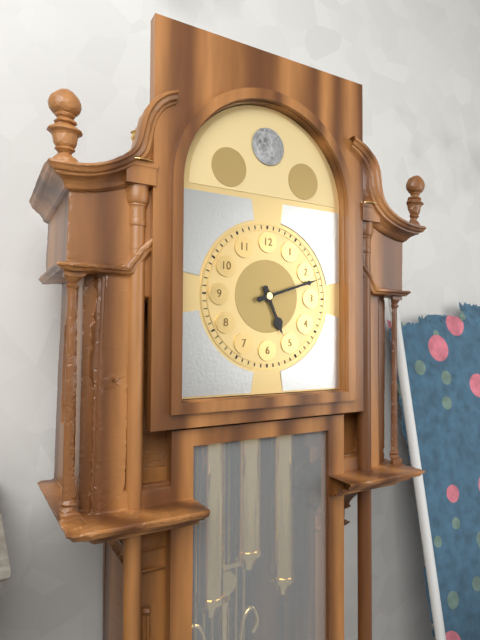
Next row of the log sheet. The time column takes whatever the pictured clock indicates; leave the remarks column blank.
5:12
